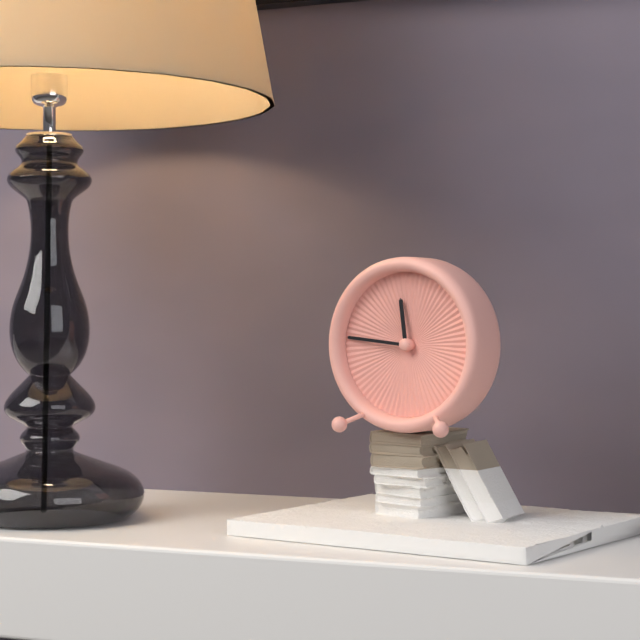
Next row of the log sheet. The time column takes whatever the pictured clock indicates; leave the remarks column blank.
11:46
